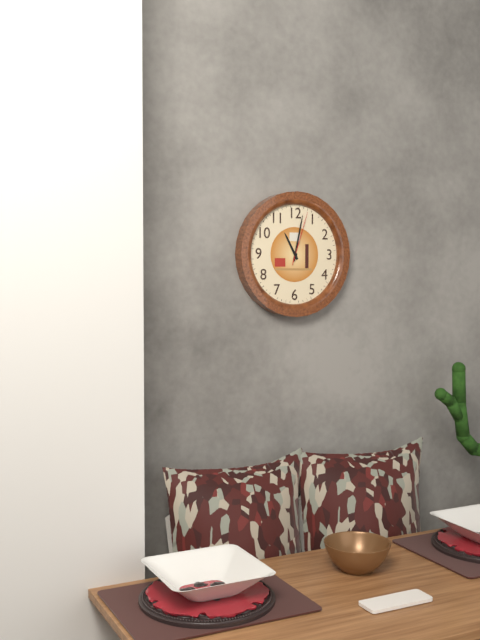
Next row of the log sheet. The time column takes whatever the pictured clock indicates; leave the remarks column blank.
11:02:03
